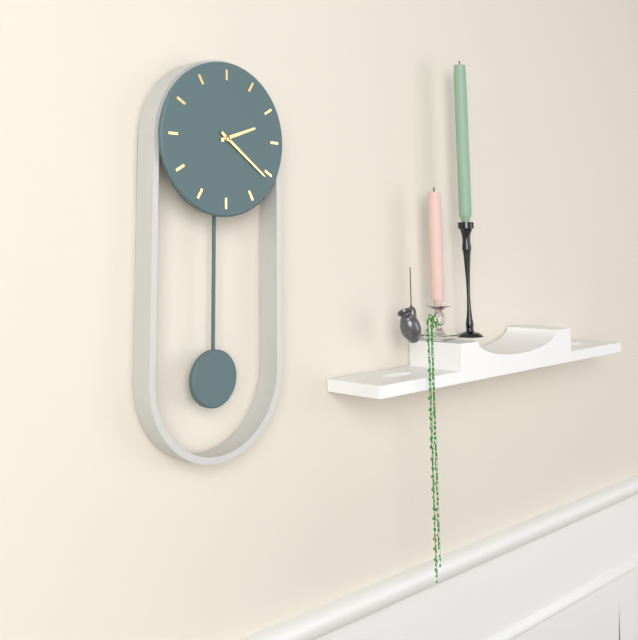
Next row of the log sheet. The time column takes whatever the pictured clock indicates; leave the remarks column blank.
2:21
